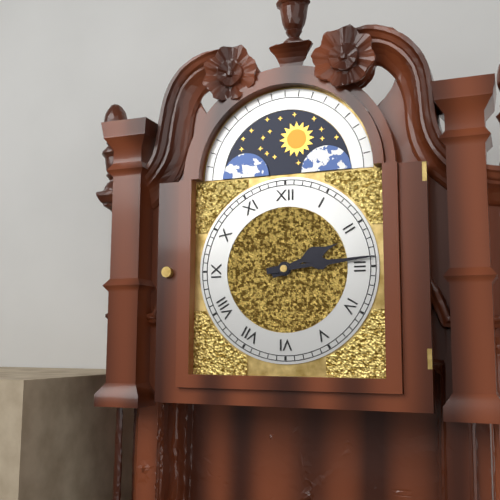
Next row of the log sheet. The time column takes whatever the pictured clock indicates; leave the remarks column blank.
2:14
